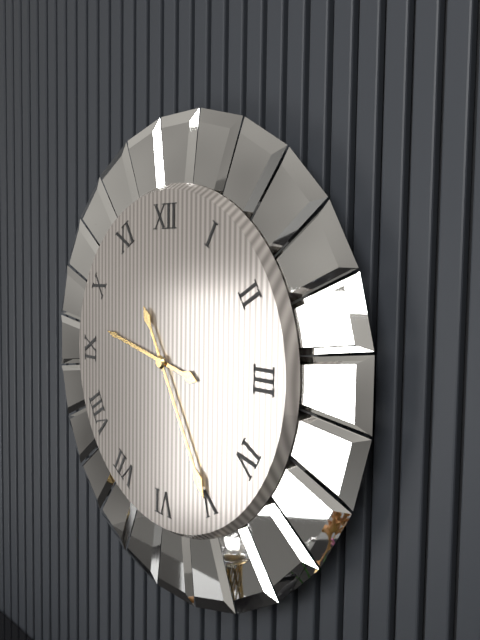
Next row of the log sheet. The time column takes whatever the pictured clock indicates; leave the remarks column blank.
9:25
